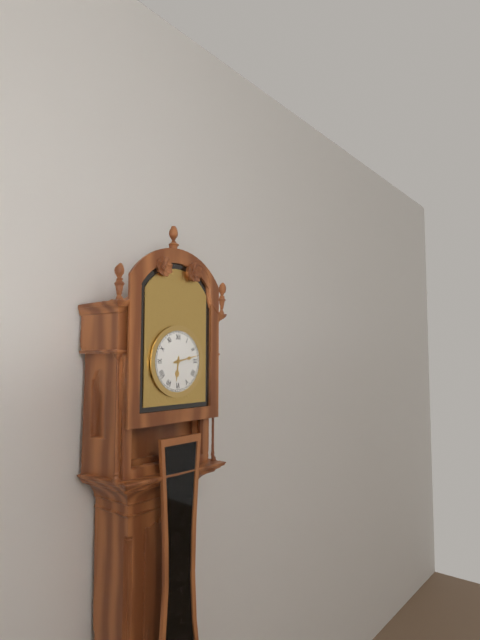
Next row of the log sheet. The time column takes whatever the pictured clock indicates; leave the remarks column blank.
6:13
